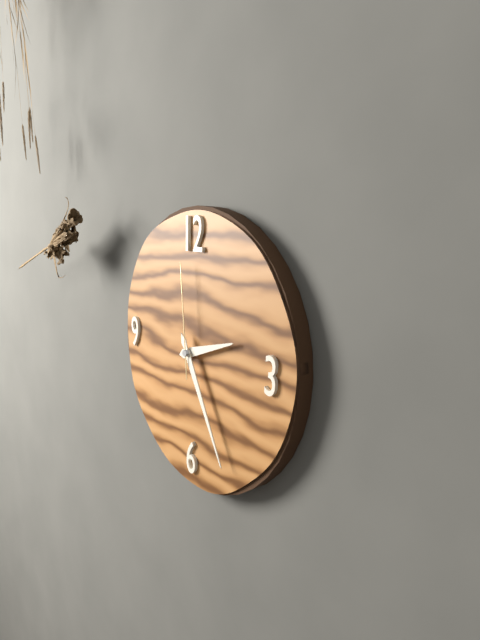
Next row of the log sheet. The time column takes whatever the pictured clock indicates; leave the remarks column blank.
2:25:59
